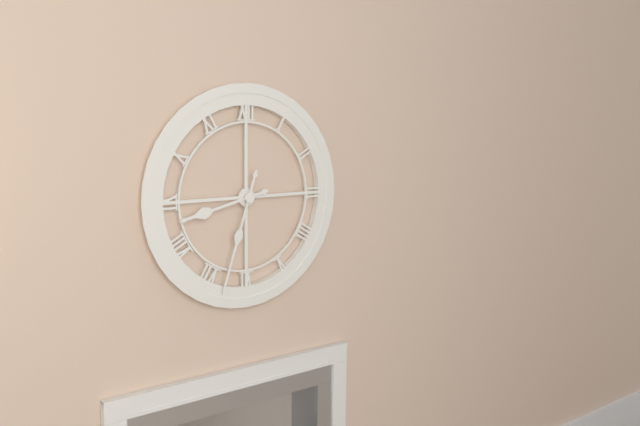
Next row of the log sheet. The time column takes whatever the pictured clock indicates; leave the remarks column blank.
8:33
